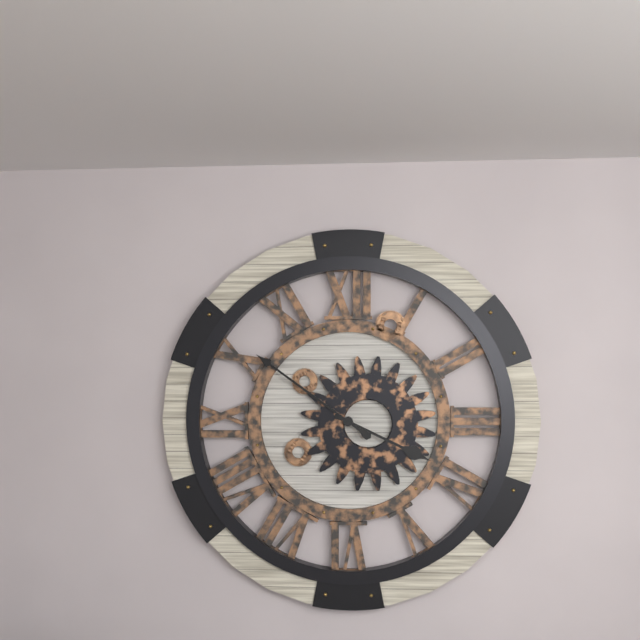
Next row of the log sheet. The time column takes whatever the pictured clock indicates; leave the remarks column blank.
3:51
